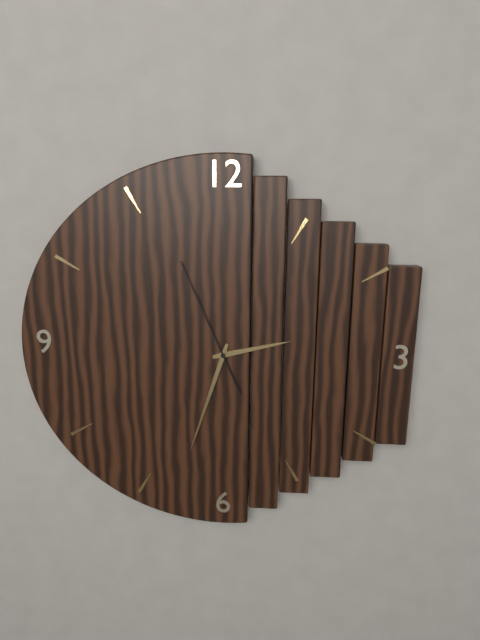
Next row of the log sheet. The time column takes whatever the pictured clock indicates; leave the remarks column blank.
2:33:56
